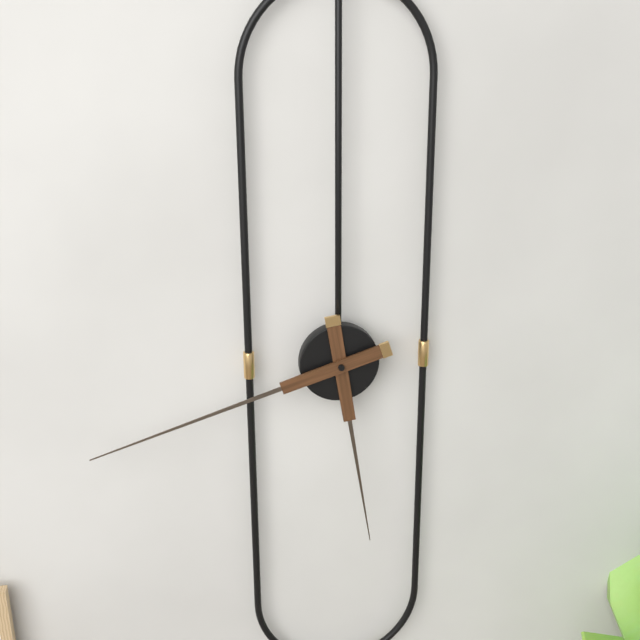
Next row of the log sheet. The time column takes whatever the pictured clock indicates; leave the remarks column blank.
5:42
